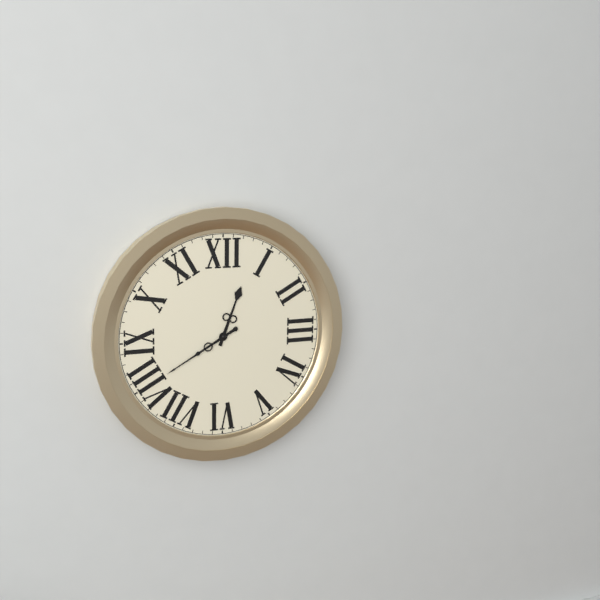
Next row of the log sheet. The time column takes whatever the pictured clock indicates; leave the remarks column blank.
12:40
